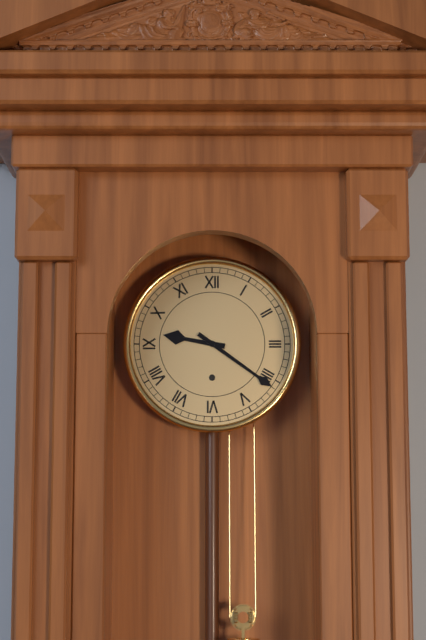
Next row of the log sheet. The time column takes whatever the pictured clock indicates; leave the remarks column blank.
9:21
